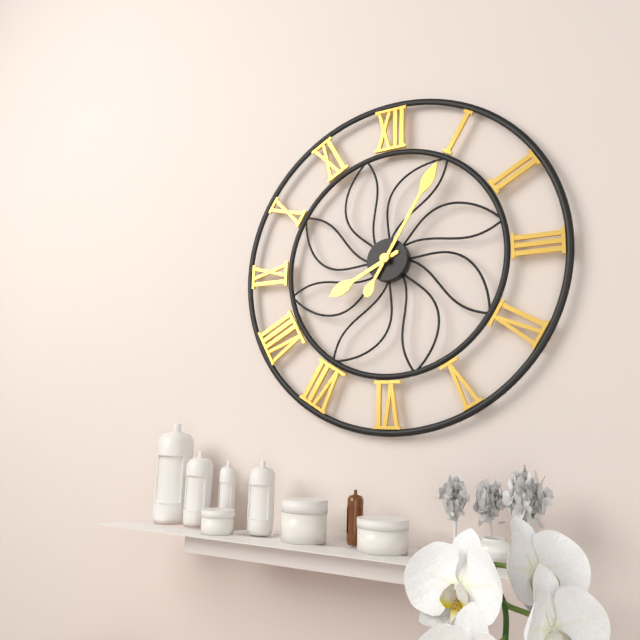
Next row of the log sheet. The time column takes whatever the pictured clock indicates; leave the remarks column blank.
8:05
